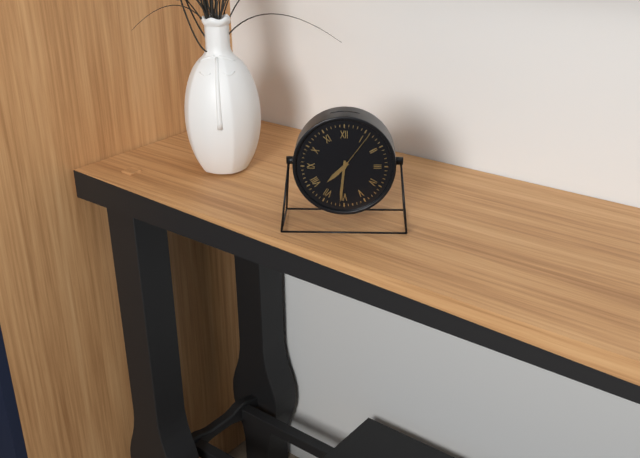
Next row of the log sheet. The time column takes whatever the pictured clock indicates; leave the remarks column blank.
7:31:06
